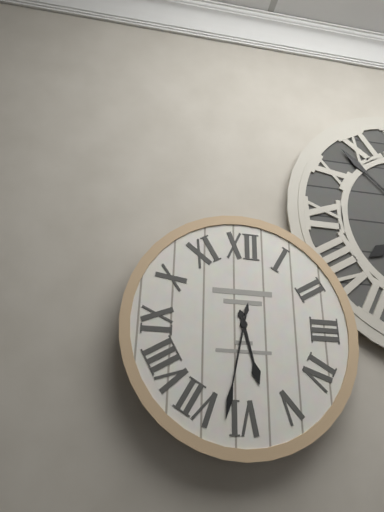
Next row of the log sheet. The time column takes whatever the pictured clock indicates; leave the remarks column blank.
5:32
